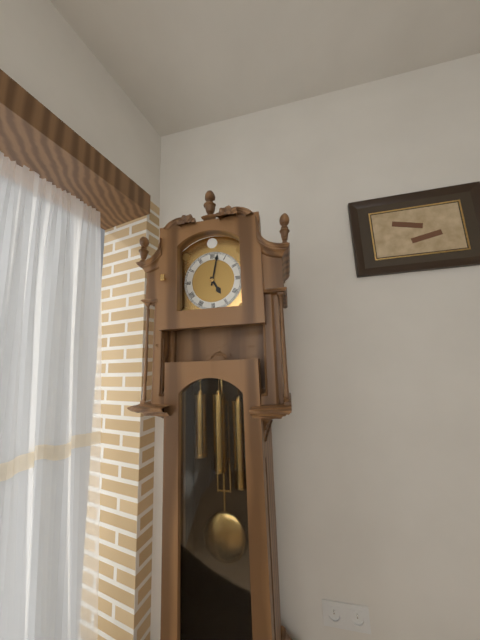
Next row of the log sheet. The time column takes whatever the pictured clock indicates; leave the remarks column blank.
5:02
